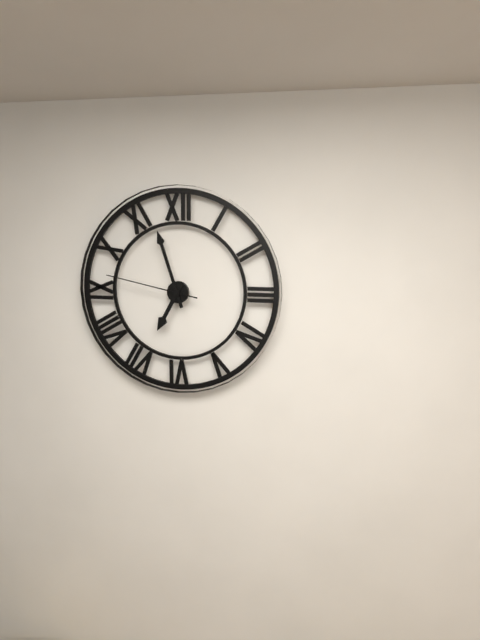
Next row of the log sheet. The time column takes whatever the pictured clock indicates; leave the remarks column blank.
6:57:47
